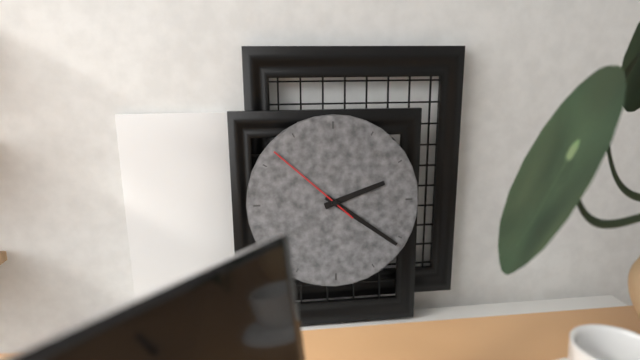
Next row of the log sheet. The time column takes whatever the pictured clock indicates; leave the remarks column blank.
2:21:52
